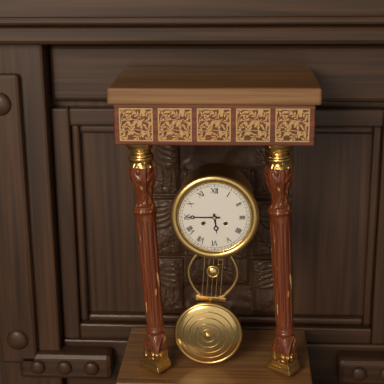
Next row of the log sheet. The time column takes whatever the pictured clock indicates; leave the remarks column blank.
5:45
